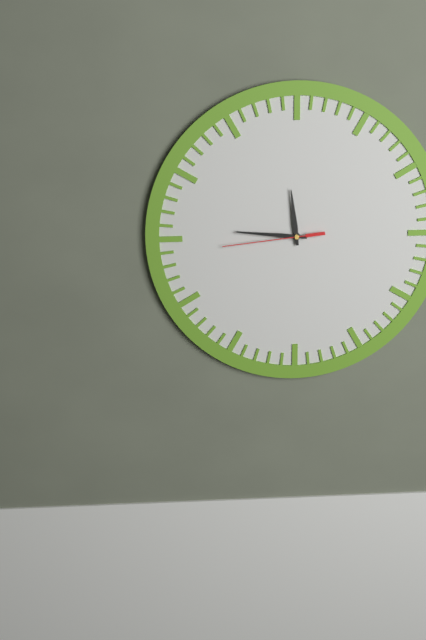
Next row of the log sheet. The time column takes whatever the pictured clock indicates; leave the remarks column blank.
11:46:44
